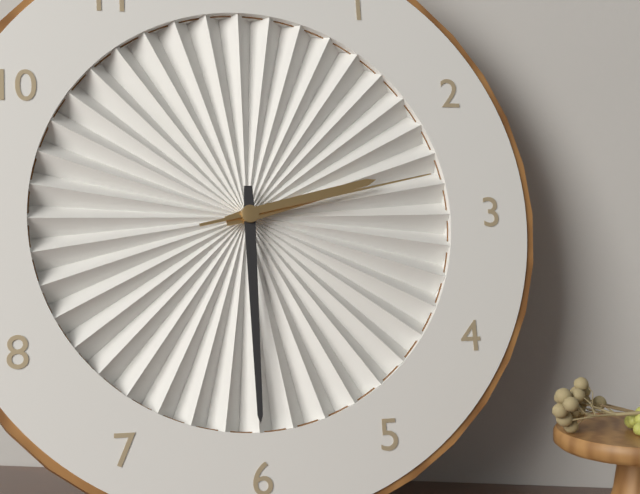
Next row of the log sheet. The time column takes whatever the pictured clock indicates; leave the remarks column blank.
2:30:13
